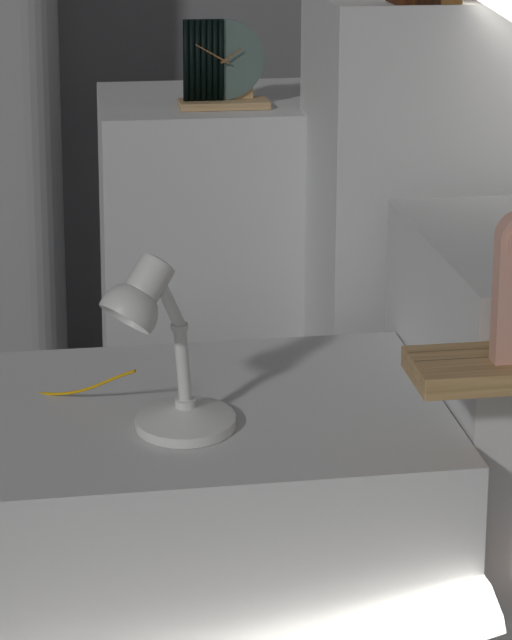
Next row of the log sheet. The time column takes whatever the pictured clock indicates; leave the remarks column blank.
1:50
